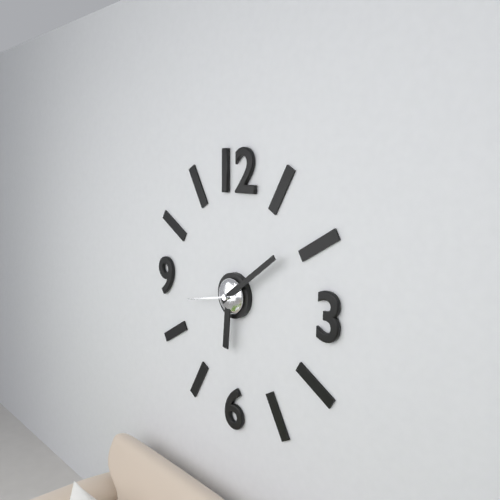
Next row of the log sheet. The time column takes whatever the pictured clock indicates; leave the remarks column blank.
6:09
